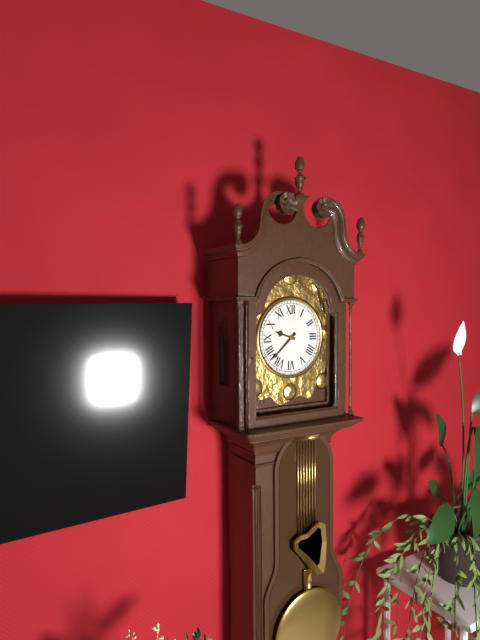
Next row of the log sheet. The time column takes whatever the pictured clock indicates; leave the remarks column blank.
9:38
